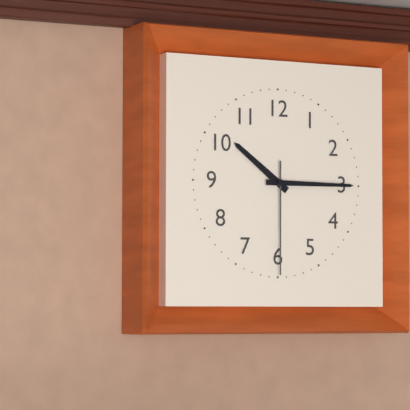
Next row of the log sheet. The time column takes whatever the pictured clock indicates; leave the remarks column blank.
10:15:30
